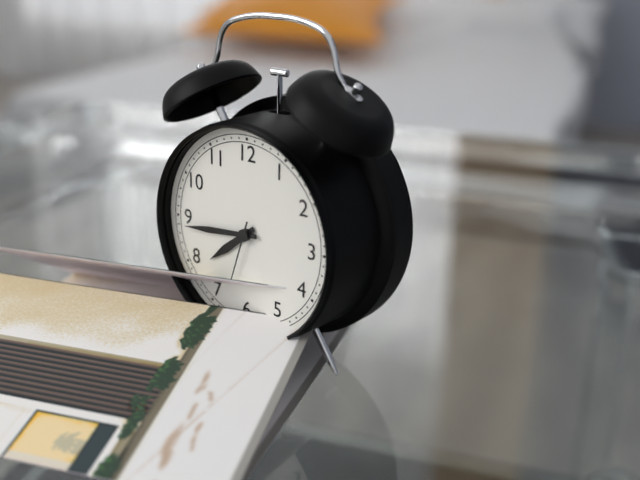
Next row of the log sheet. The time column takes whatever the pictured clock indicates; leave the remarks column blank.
7:44:33
